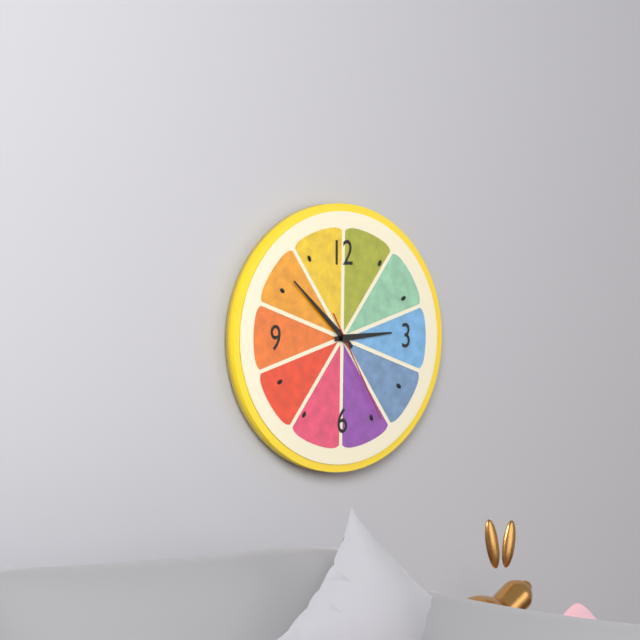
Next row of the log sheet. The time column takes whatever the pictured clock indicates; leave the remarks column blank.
2:52:25
